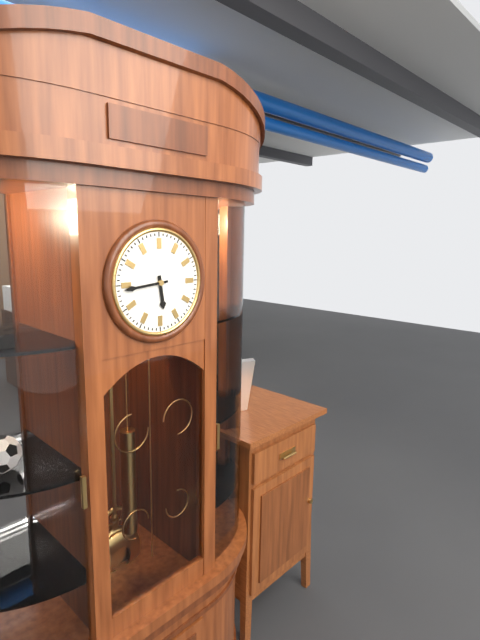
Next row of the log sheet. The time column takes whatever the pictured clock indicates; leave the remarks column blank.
5:44
